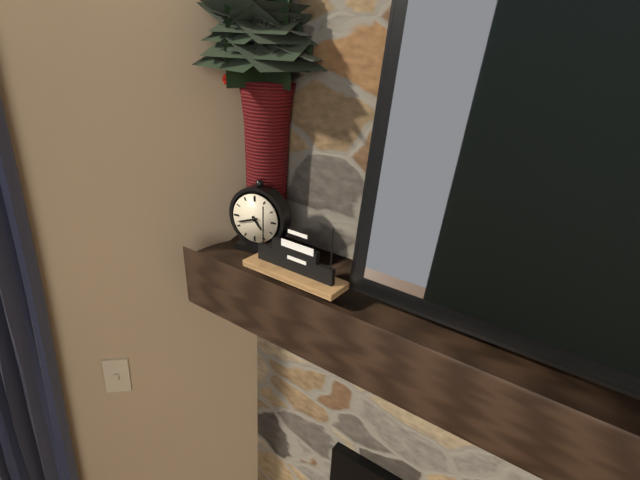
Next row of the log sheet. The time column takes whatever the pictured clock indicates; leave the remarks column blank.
4:42
